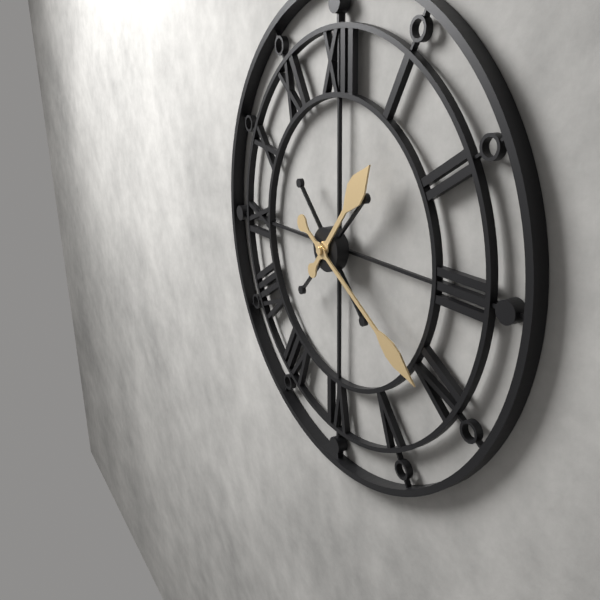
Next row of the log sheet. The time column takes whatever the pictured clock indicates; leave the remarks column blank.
1:20
